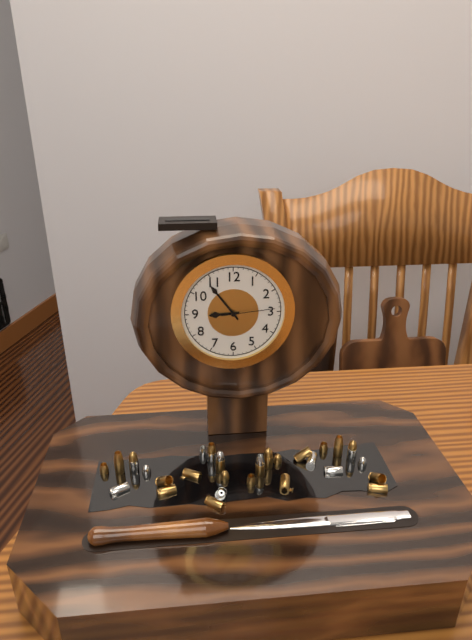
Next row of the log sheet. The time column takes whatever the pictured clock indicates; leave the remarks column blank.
8:54:14
